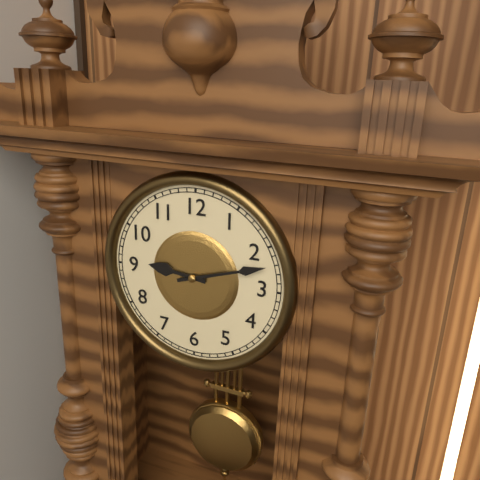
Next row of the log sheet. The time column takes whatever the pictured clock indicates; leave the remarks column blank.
9:12
